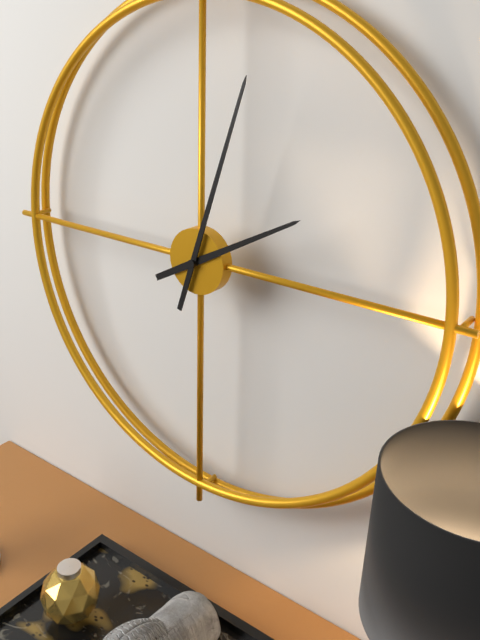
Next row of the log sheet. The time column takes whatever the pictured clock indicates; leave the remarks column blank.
2:03
